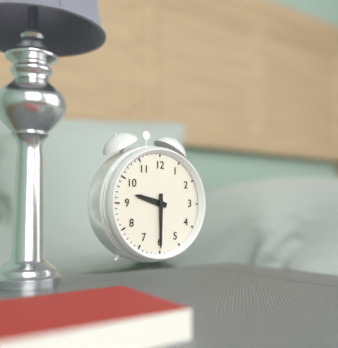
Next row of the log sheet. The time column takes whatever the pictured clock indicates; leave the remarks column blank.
9:30
